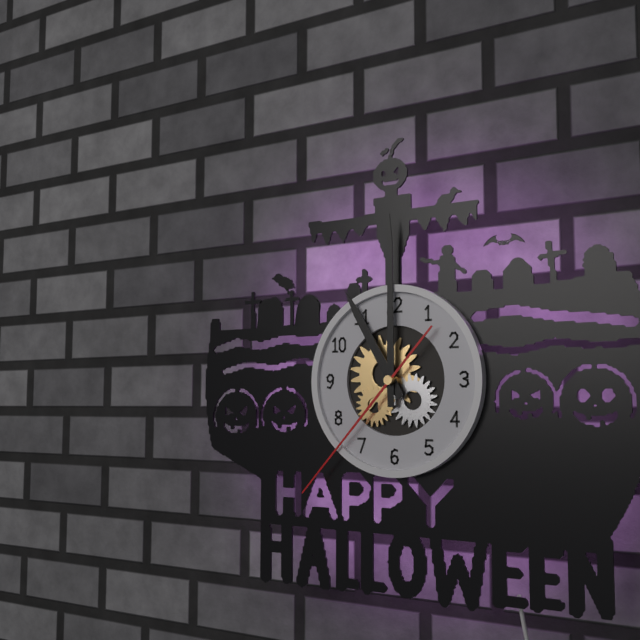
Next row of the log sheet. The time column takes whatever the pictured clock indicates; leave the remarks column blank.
11:00:37
